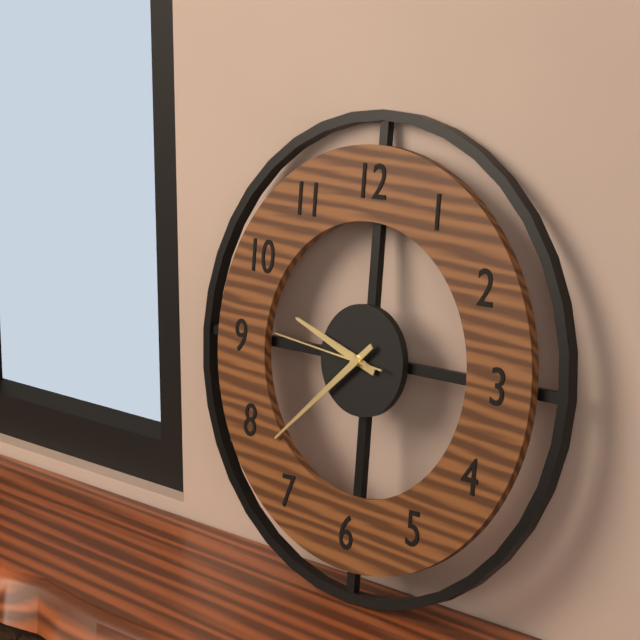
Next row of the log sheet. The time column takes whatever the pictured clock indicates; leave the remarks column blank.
9:38:46
